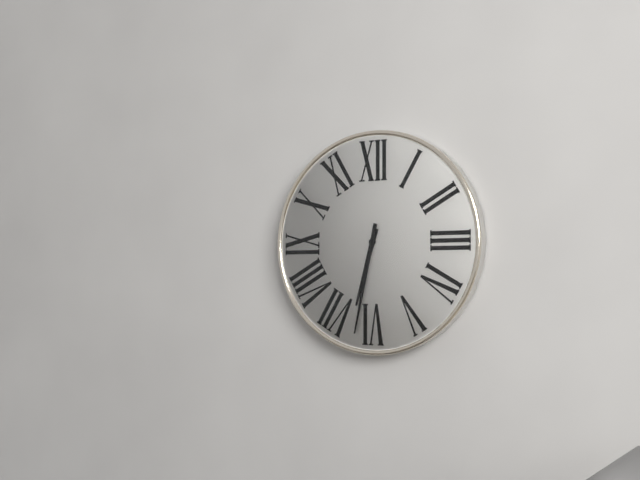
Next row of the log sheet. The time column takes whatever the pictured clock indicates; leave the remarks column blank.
6:32
